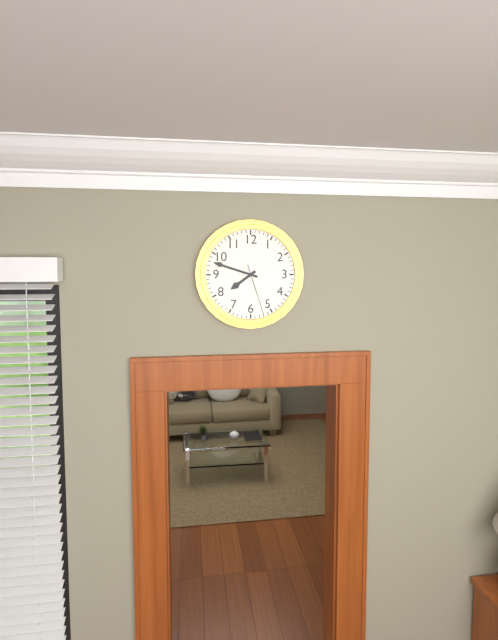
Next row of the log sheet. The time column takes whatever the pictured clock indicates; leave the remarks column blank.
7:48:27
